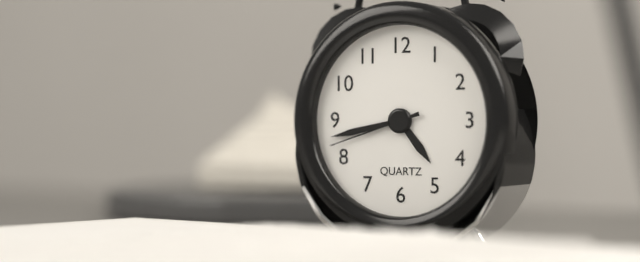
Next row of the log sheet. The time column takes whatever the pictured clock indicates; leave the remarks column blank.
4:43:42
